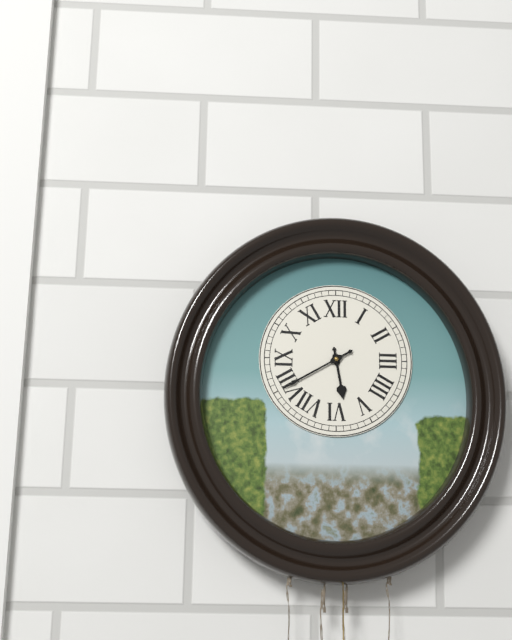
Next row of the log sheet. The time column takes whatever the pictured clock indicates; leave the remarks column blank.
5:40
